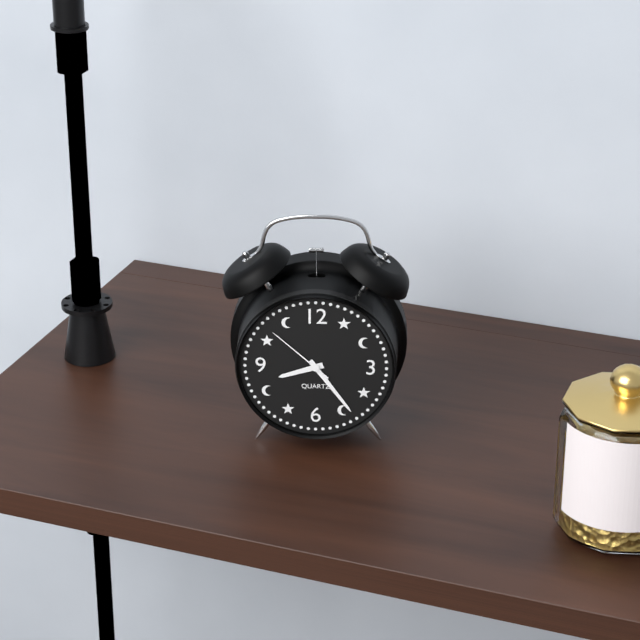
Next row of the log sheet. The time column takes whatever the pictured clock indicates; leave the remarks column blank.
8:24:52
